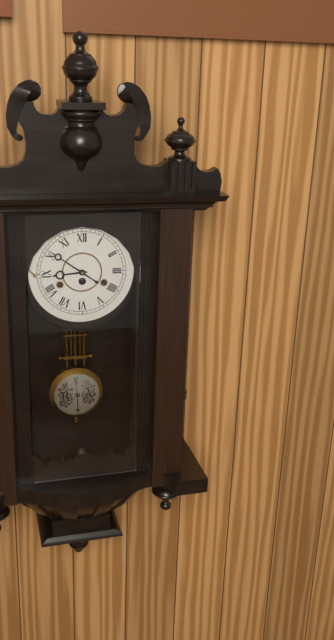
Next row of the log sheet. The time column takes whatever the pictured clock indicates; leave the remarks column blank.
8:51
